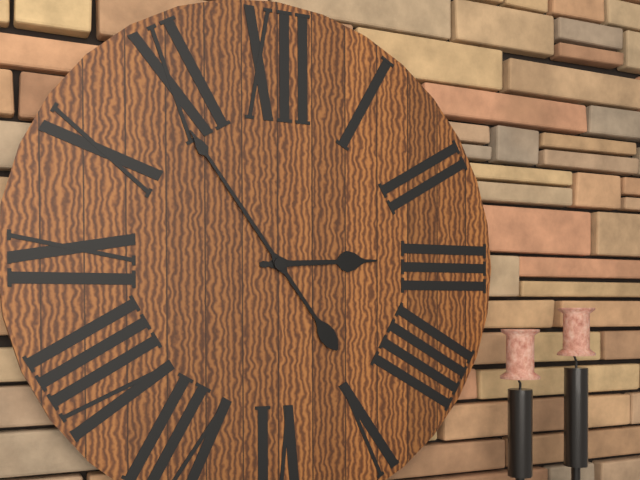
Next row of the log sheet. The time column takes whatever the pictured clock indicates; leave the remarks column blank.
2:54
